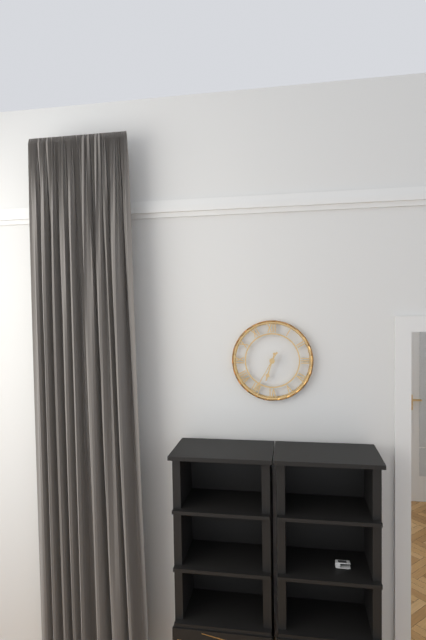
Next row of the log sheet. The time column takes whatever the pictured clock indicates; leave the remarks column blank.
6:35
